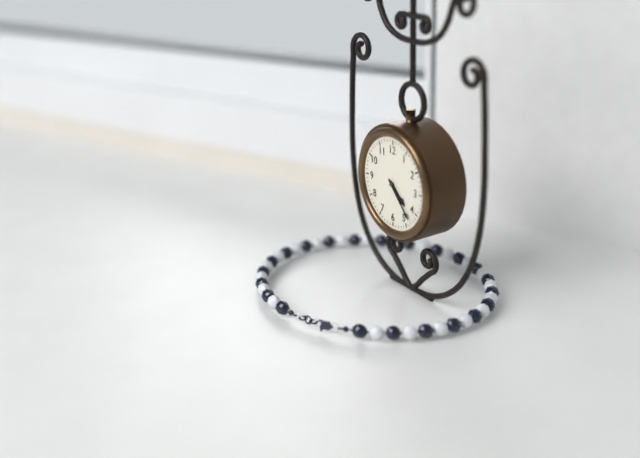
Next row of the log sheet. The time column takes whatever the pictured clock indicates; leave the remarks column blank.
4:23
